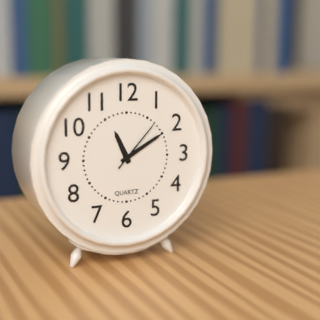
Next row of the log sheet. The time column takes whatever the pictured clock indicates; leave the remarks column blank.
11:10:07
